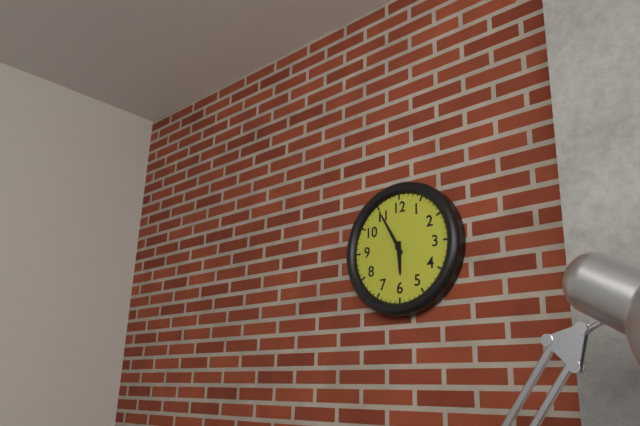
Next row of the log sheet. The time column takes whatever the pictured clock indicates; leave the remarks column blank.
5:55
